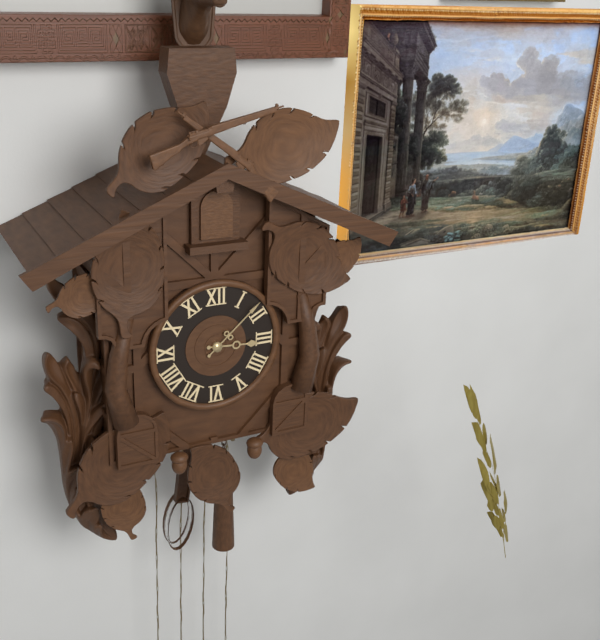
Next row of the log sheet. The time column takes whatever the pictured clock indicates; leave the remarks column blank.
3:08
